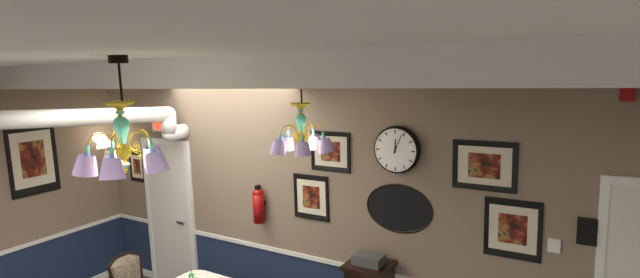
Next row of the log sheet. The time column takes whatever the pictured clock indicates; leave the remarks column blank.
12:04
